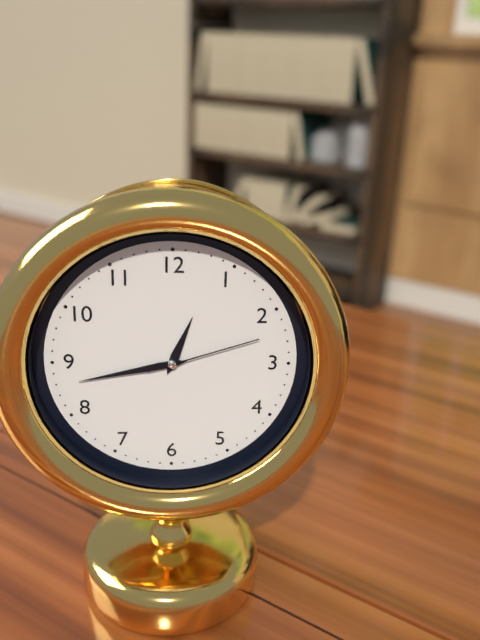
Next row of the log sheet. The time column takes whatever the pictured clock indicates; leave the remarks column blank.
12:43:12
